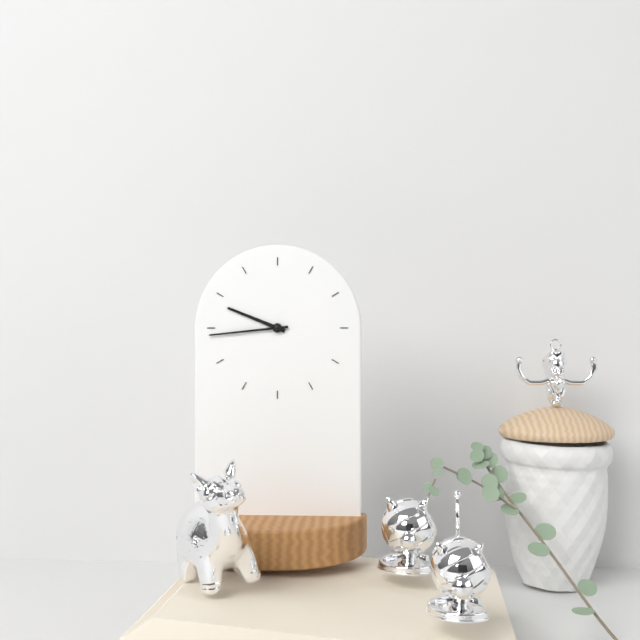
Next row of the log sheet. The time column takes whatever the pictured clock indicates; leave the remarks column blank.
9:44
